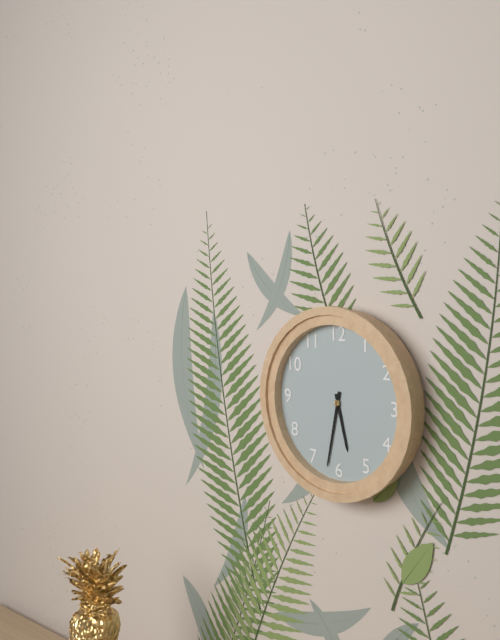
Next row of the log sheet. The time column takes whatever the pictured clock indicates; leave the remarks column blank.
5:32
